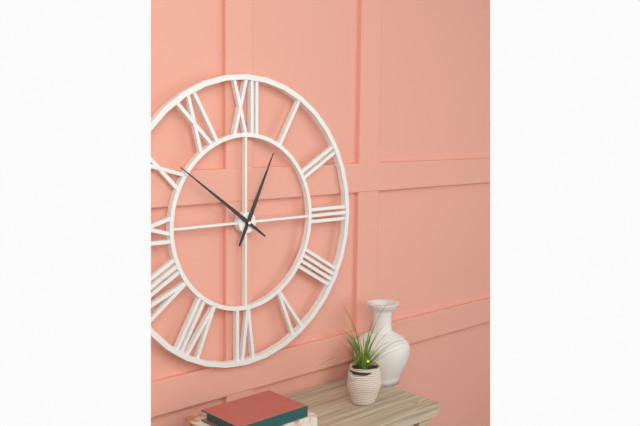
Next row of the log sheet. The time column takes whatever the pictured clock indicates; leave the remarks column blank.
12:51
